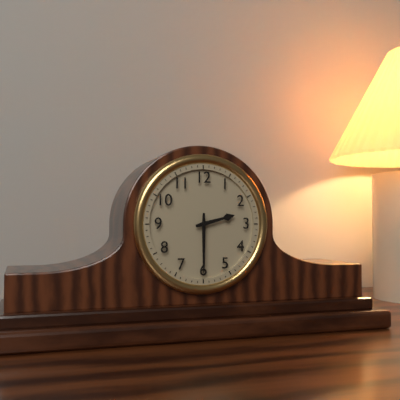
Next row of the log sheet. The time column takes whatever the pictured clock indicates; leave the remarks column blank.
2:30
